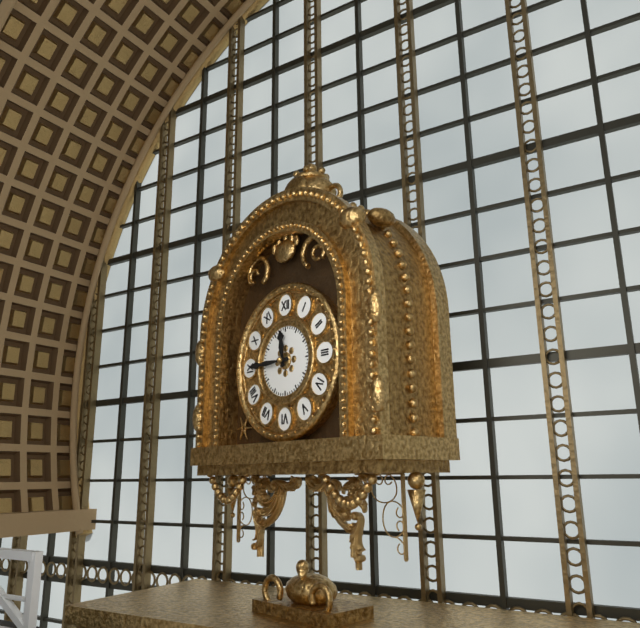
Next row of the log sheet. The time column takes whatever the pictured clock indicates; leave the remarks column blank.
11:45
